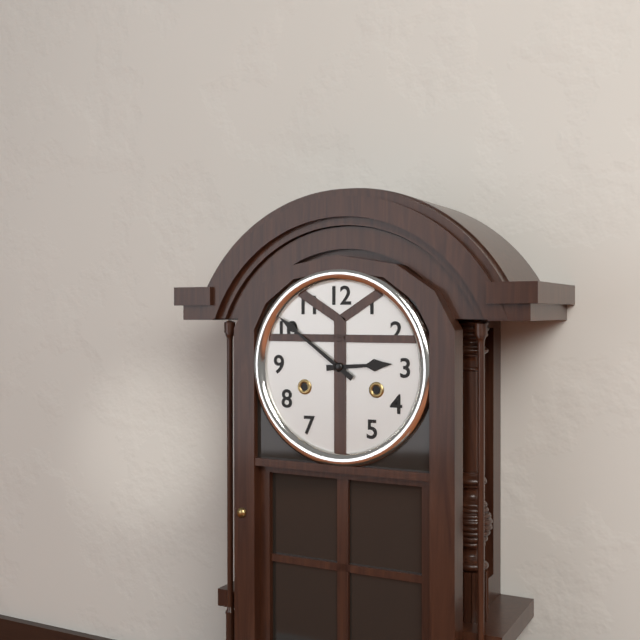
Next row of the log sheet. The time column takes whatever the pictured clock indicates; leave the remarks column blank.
2:51
